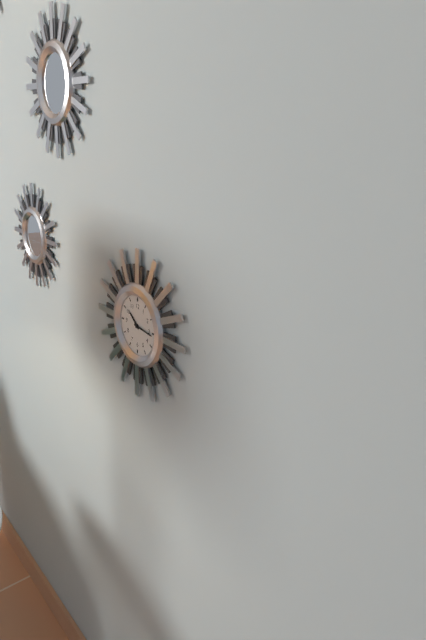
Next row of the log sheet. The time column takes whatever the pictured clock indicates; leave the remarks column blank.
10:16
